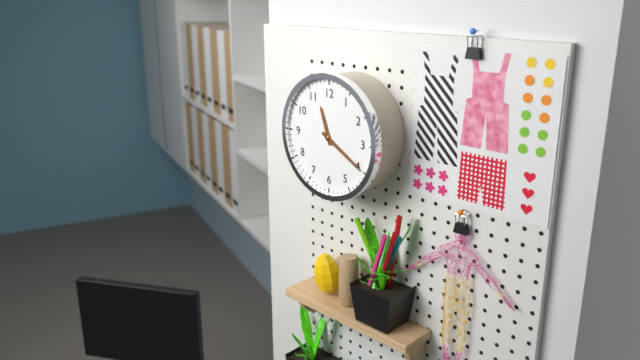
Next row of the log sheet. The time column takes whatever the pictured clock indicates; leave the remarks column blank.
11:20
